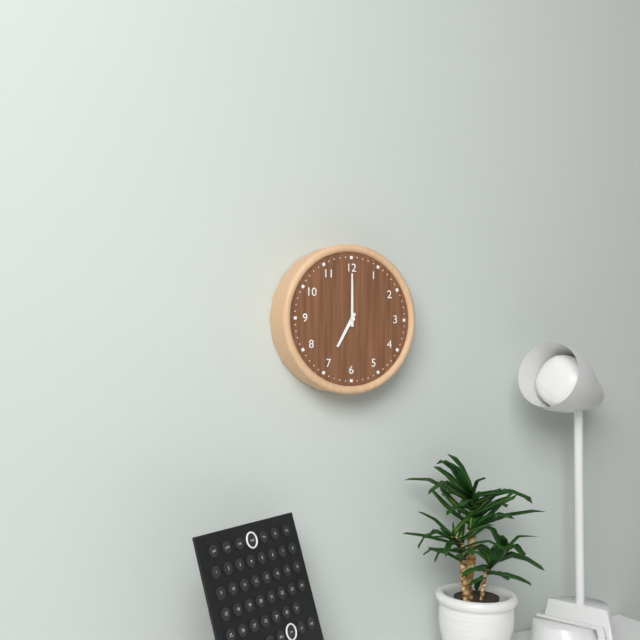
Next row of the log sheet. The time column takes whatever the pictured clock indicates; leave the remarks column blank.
7:00
